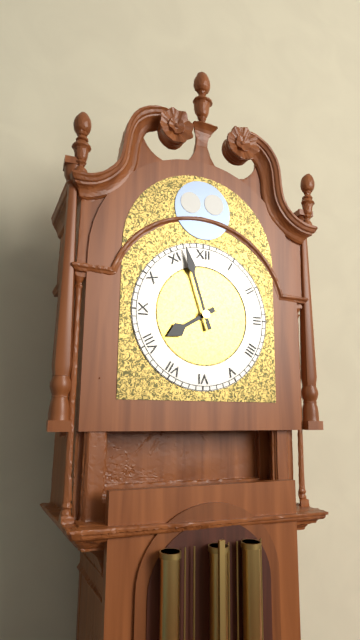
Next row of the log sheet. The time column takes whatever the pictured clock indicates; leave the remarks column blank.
7:57
